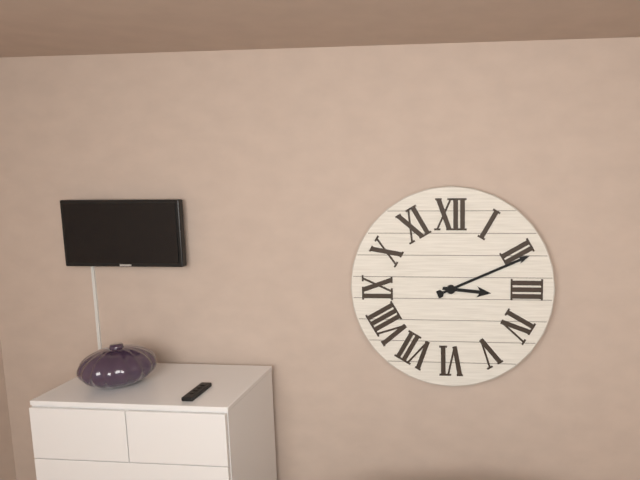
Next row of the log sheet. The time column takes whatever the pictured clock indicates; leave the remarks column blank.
3:11
